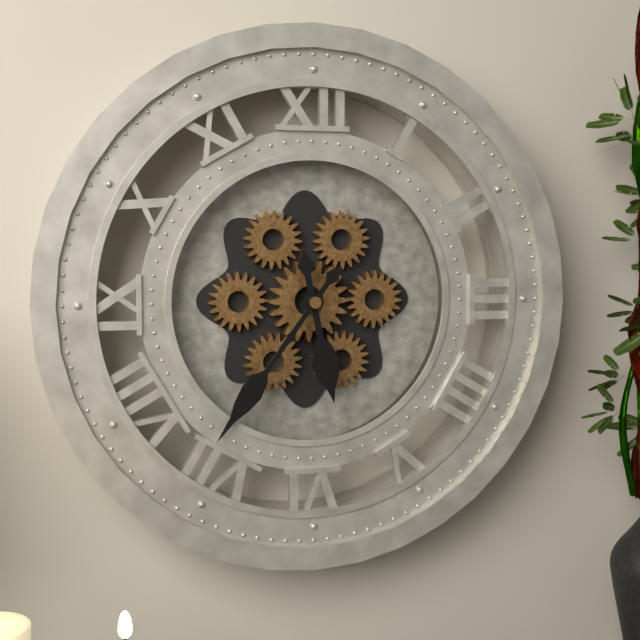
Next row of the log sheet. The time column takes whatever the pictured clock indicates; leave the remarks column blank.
5:36
